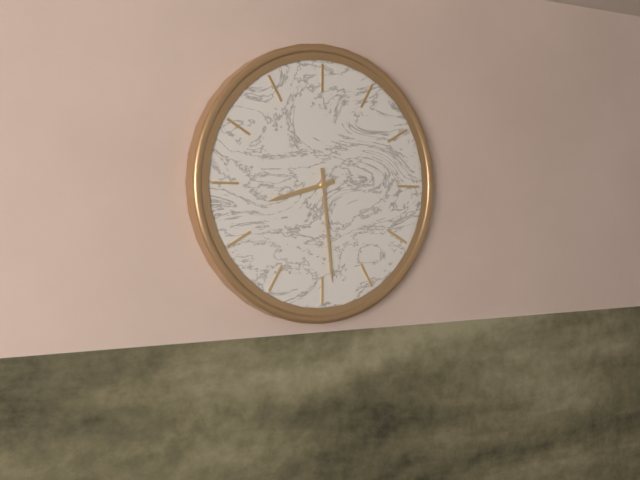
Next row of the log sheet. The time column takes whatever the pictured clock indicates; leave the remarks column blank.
8:29
